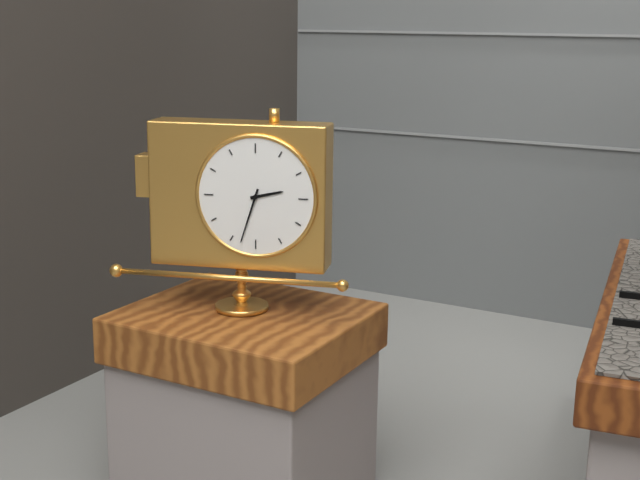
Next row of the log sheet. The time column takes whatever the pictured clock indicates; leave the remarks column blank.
2:33
